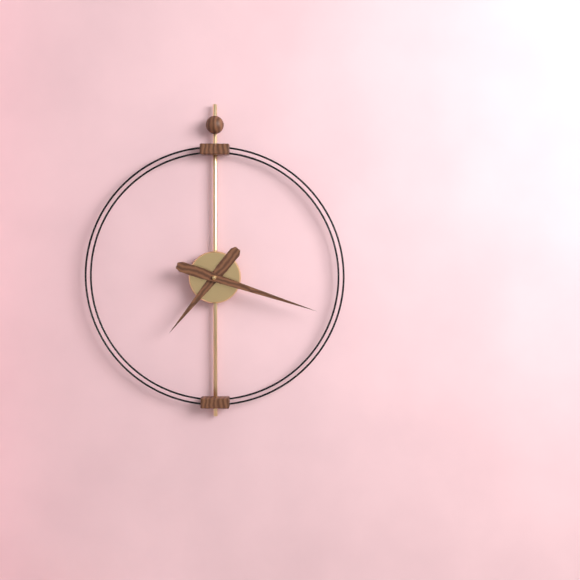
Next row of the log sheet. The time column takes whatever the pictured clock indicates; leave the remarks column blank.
7:18
